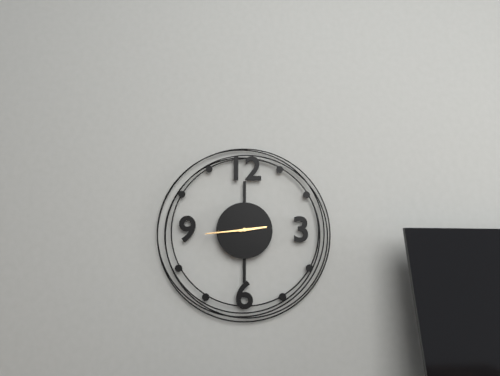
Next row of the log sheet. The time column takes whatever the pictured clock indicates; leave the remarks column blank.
2:44
